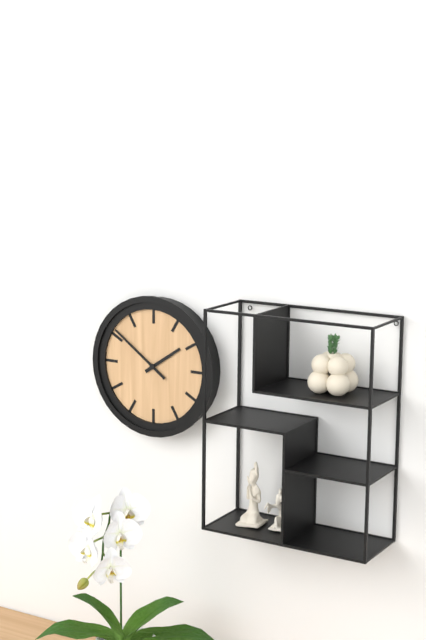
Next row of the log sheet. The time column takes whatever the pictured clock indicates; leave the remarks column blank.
1:51
